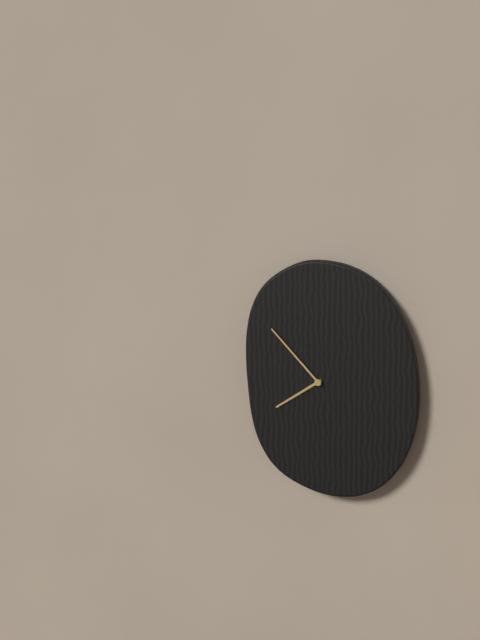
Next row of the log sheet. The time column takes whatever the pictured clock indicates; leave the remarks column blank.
7:53
